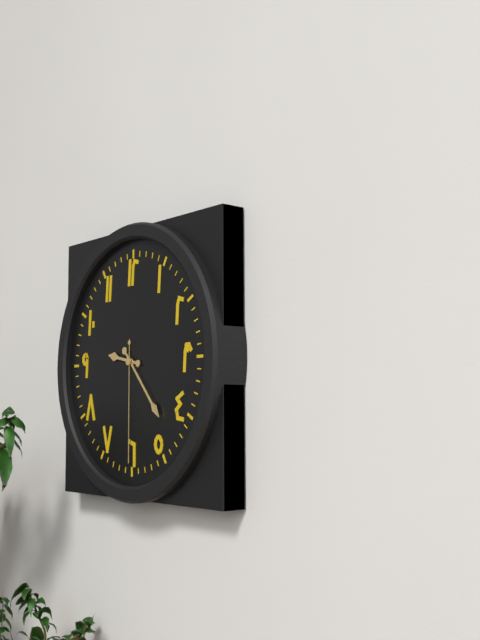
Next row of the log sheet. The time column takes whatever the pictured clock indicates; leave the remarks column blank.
9:23:30
